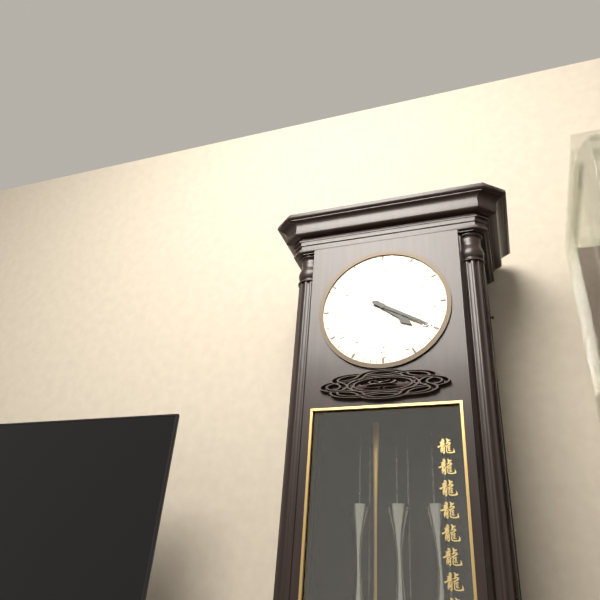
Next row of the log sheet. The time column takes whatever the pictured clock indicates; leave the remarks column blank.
4:20
